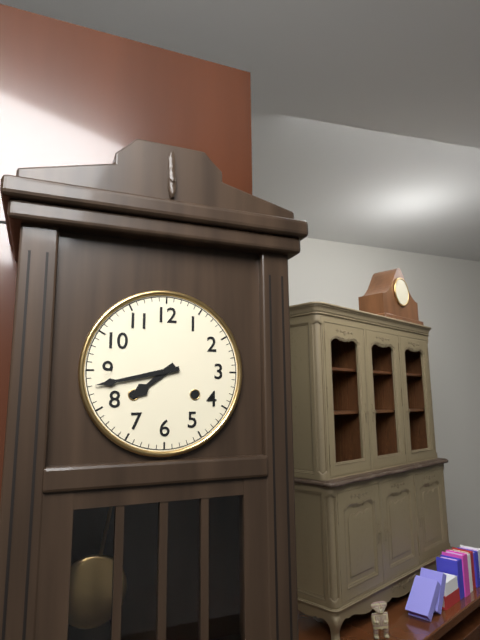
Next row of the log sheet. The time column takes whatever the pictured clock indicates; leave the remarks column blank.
7:43
